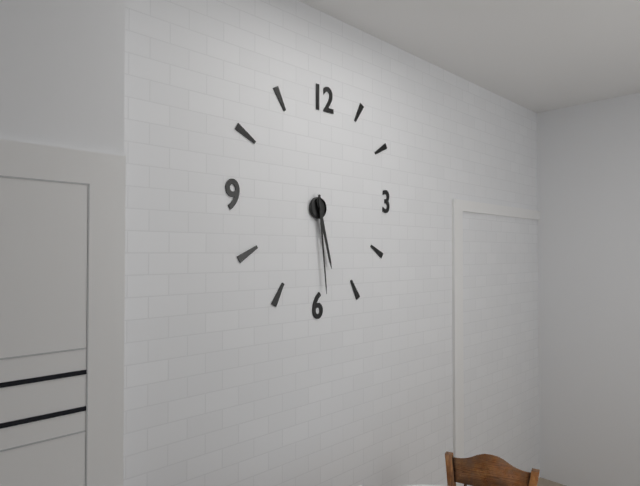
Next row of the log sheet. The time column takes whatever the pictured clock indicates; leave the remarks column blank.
5:29
